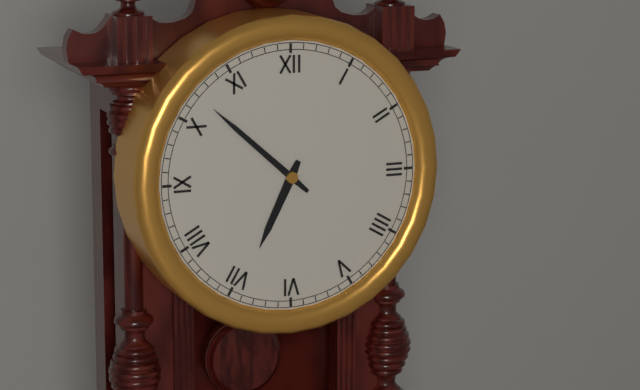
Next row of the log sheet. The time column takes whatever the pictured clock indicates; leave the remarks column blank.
6:52
